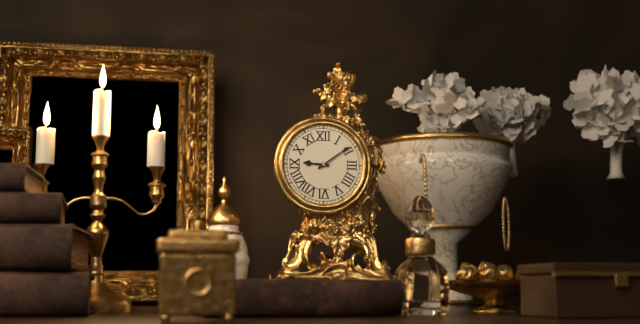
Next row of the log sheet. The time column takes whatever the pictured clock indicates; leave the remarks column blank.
9:09
